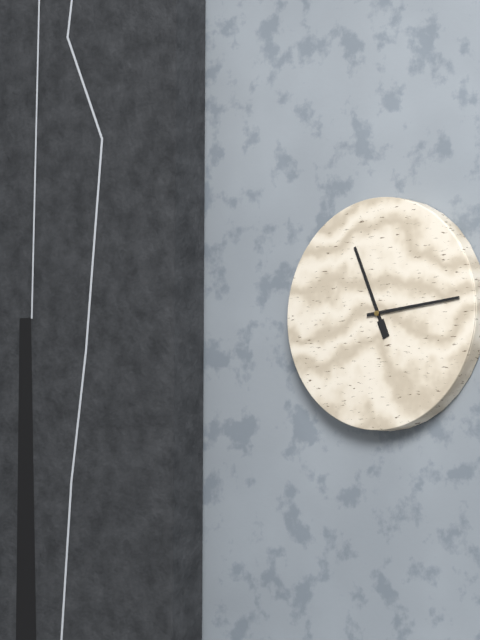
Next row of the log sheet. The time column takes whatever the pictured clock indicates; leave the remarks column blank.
11:14
